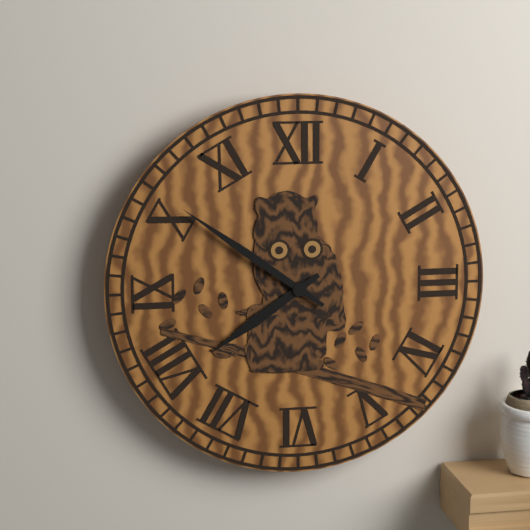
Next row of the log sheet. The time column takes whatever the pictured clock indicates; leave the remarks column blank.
7:51
